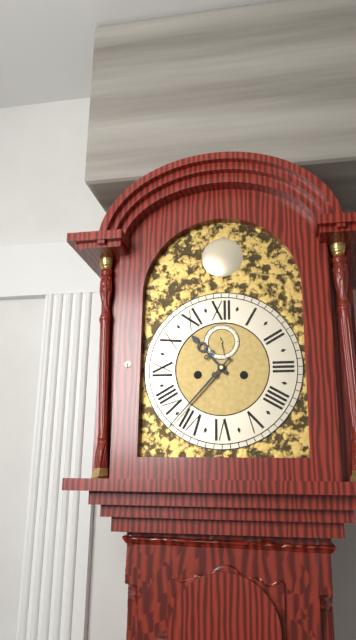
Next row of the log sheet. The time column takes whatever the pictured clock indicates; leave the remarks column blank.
10:37
